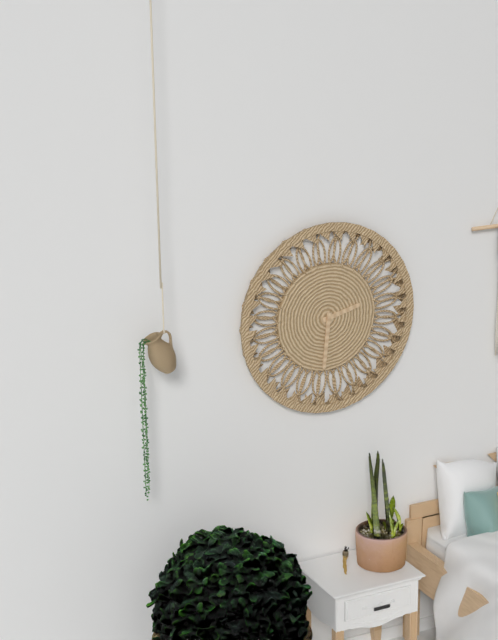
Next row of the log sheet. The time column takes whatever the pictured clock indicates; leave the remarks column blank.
2:31
